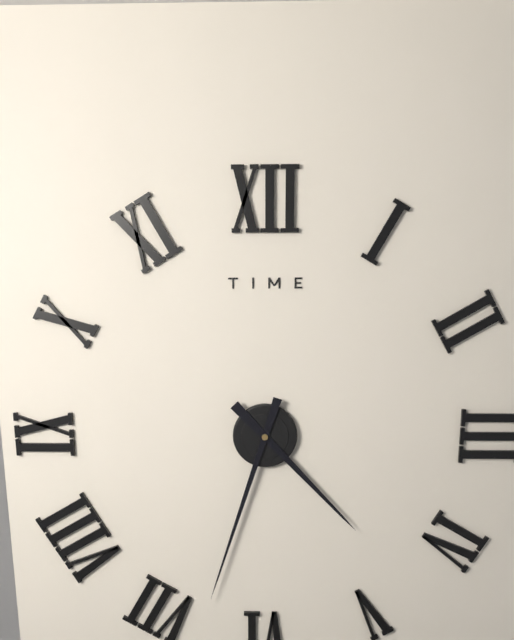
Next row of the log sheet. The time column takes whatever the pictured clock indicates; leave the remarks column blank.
4:33
